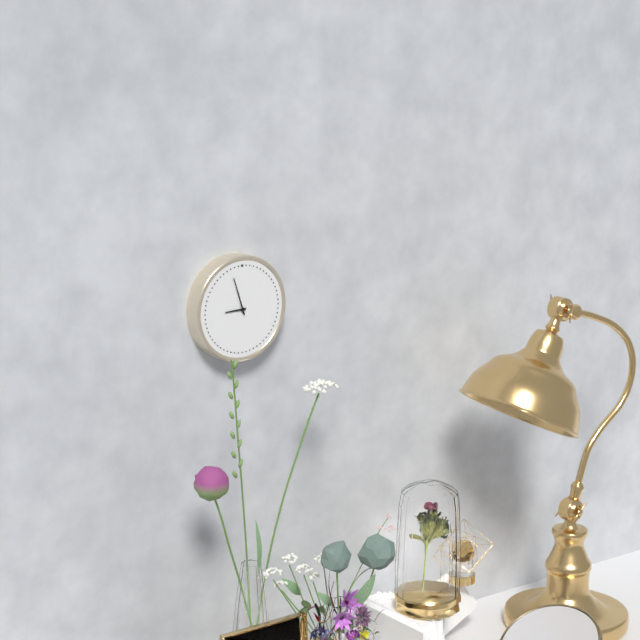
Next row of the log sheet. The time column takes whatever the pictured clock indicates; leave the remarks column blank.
8:57
